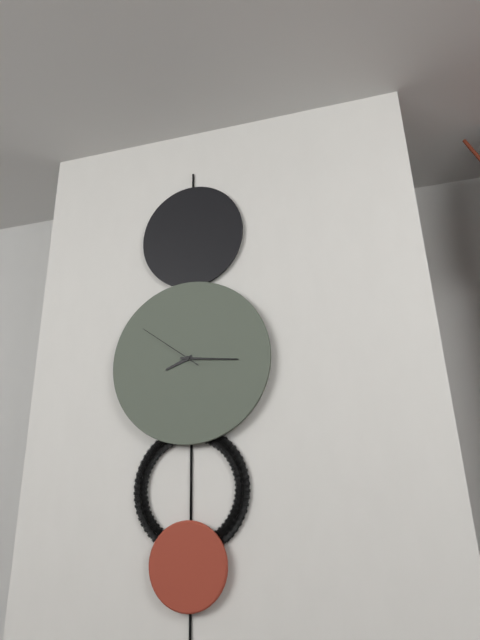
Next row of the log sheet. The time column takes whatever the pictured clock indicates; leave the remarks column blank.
8:16:51
